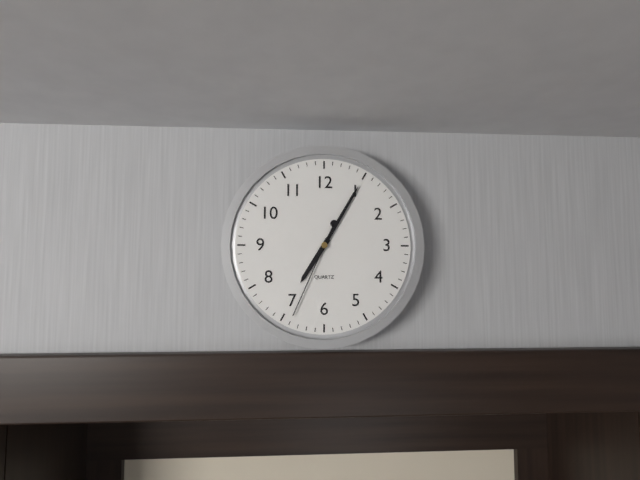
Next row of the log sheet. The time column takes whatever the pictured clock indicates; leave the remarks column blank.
7:05:34
